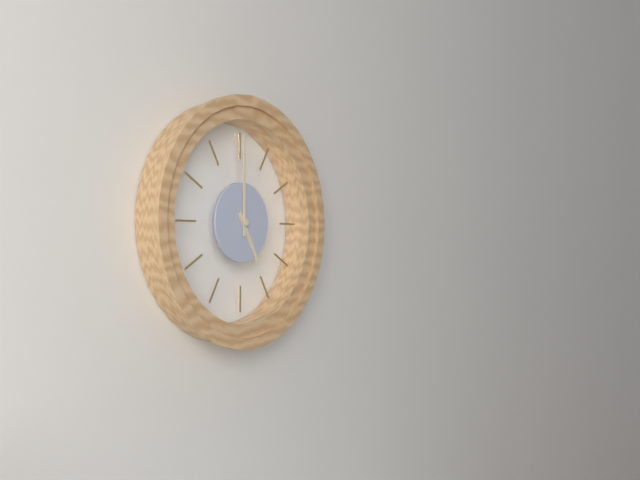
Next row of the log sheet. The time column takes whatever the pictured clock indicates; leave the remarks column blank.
5:00
